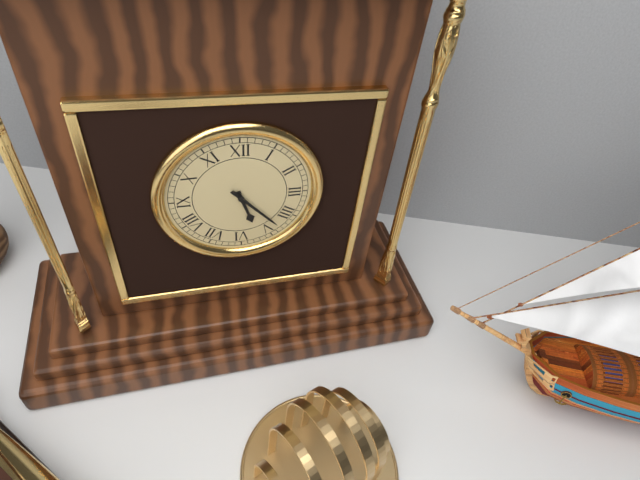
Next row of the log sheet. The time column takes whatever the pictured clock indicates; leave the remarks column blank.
5:23
